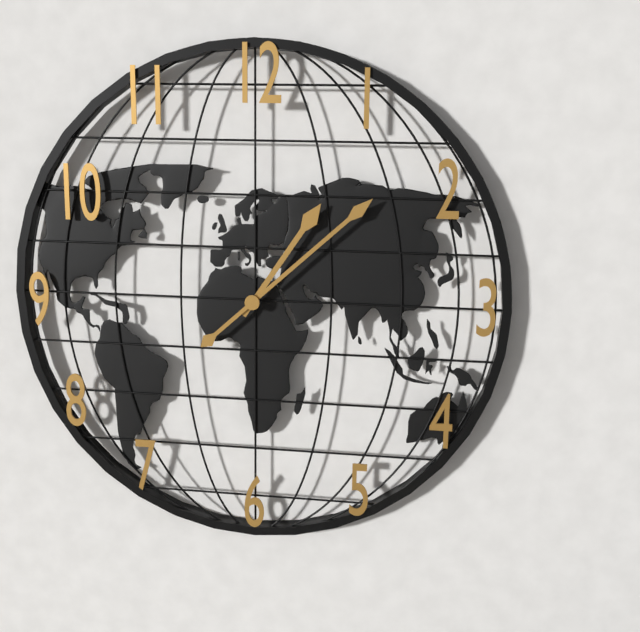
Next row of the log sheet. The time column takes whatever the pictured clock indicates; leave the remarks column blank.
1:08
